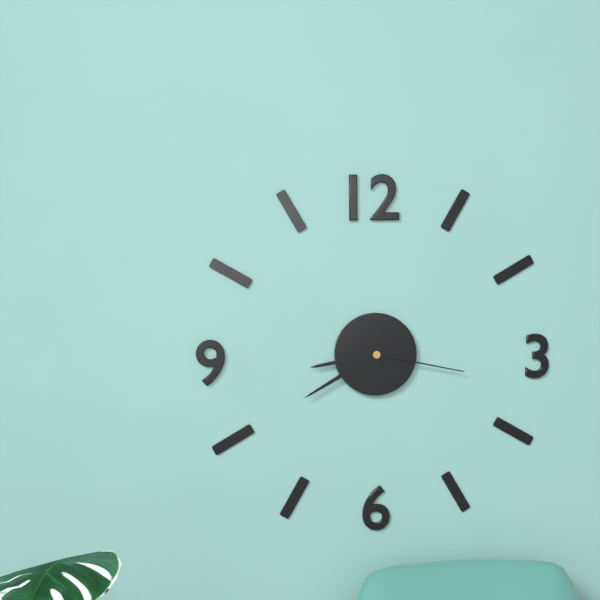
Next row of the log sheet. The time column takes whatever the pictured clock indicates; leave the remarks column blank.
8:40:17
